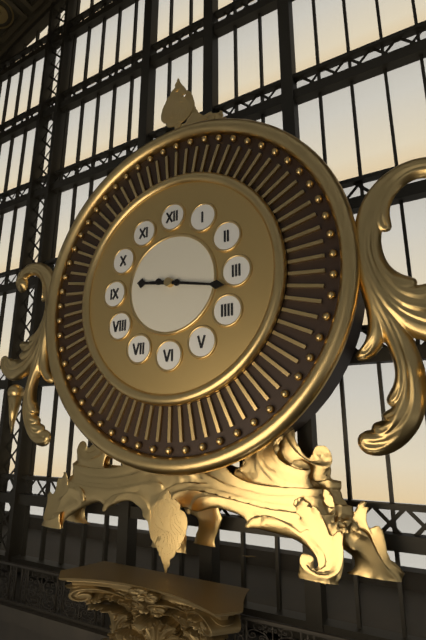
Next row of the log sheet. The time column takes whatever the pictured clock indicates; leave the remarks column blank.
9:17
